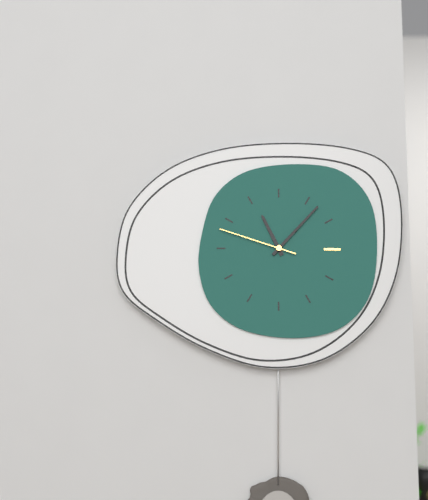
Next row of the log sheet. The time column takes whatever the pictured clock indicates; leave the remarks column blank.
11:07:48
